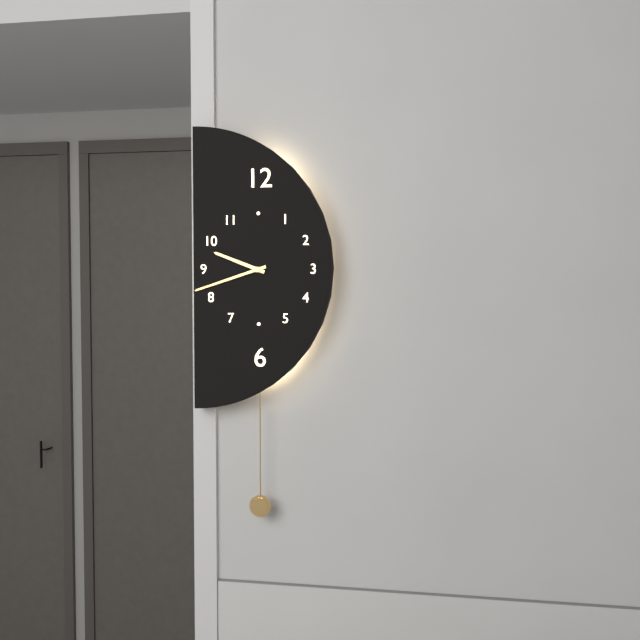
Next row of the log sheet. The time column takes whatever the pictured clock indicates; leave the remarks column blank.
9:42
